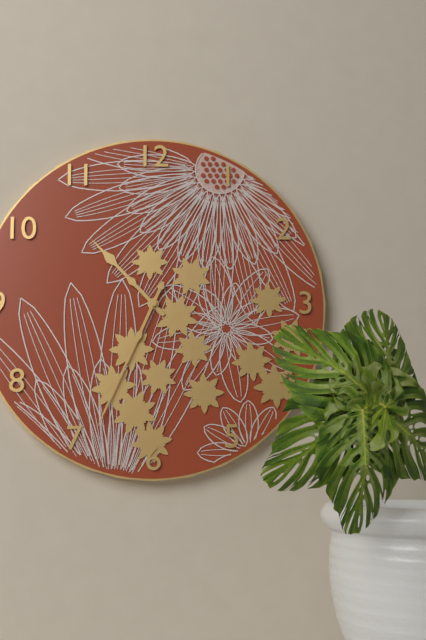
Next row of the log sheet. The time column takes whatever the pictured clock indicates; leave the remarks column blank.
10:34
